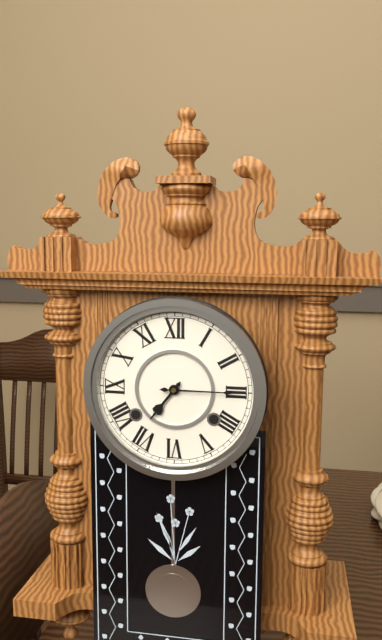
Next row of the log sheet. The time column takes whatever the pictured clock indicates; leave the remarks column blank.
7:15
